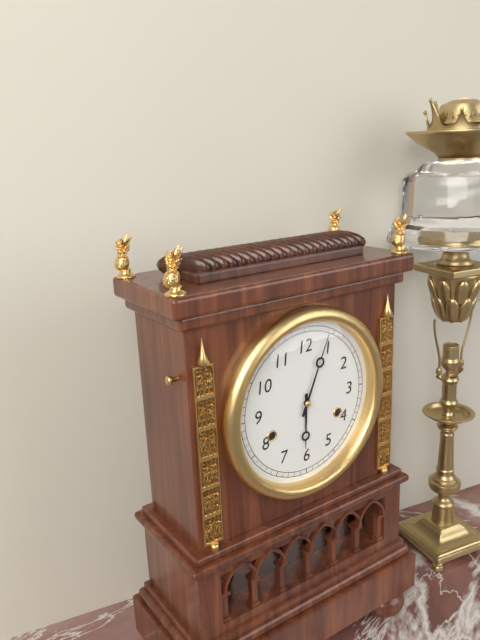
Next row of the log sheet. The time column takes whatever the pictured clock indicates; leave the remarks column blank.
6:04
